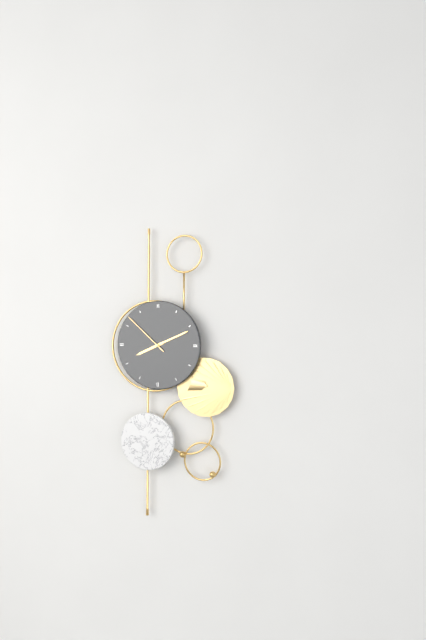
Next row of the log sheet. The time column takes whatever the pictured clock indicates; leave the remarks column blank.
8:11:52
